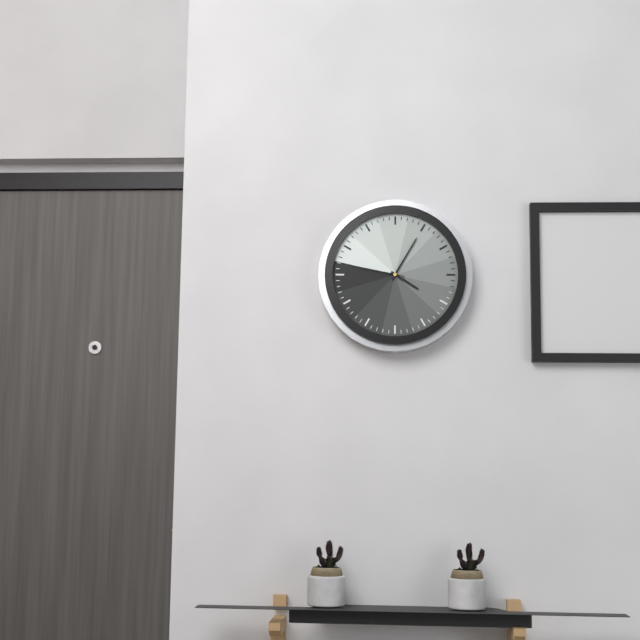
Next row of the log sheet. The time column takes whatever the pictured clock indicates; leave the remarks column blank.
4:05:47
